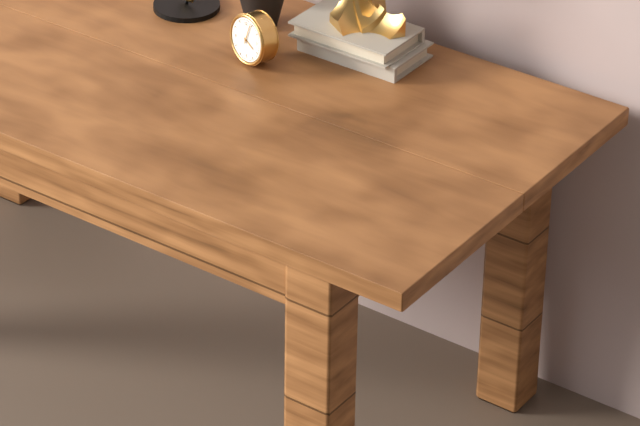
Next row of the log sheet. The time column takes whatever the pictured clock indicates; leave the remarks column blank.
4:04
